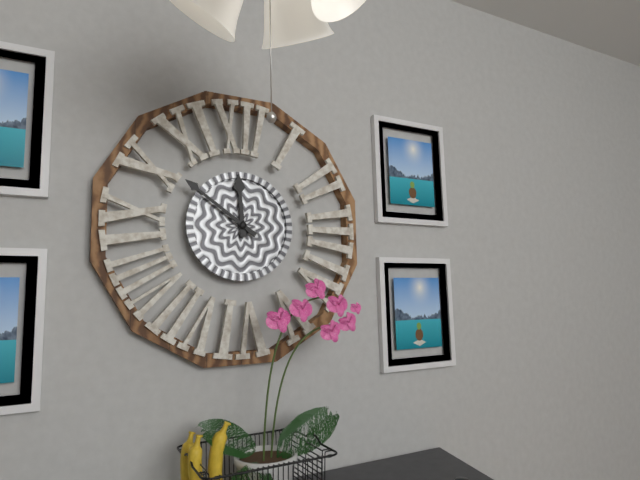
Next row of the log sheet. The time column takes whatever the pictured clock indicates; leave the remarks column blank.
11:51
